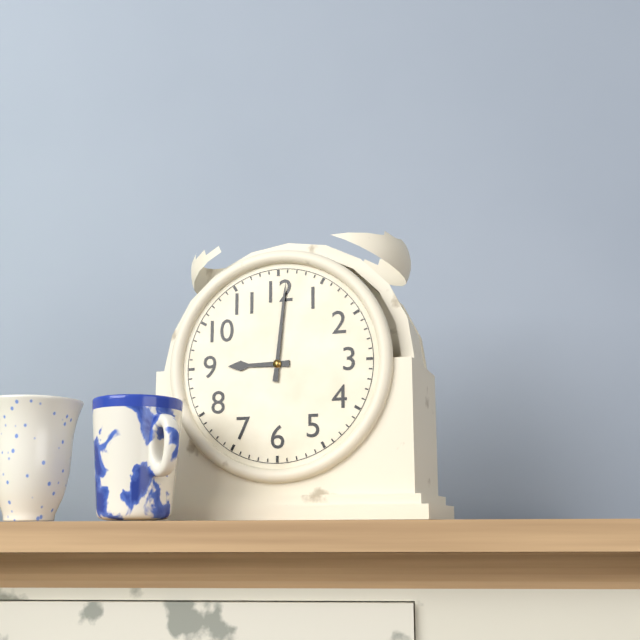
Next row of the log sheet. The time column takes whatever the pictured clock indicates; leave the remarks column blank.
9:01
